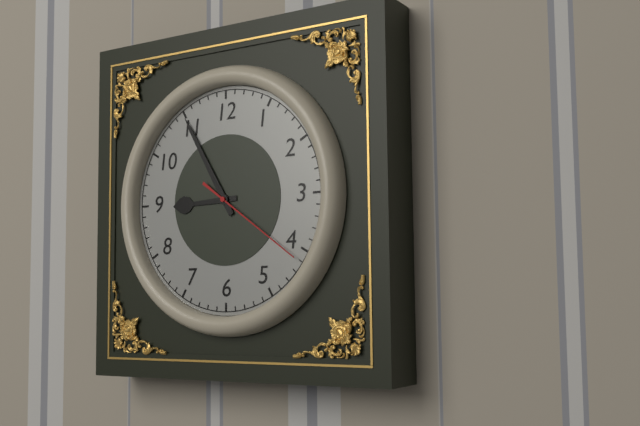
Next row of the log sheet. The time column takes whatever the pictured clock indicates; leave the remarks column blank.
8:55:21
